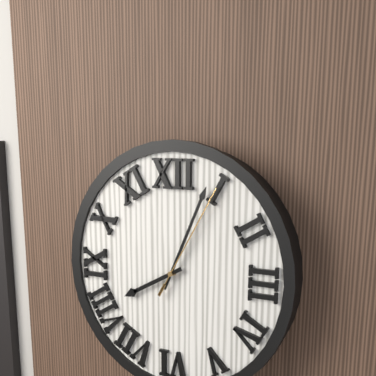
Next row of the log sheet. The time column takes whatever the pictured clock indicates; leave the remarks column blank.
8:04:05
